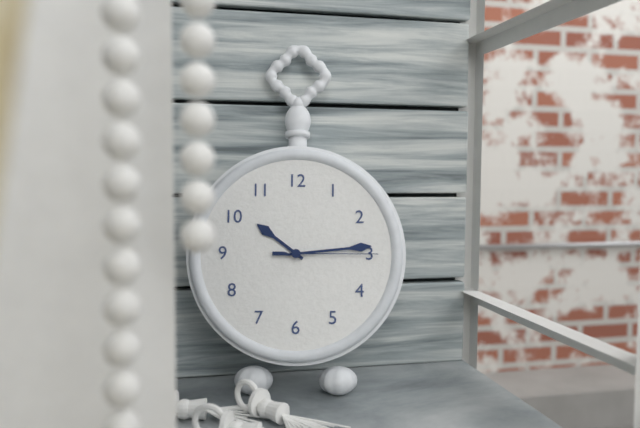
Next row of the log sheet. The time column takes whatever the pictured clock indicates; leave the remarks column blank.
10:14:15
